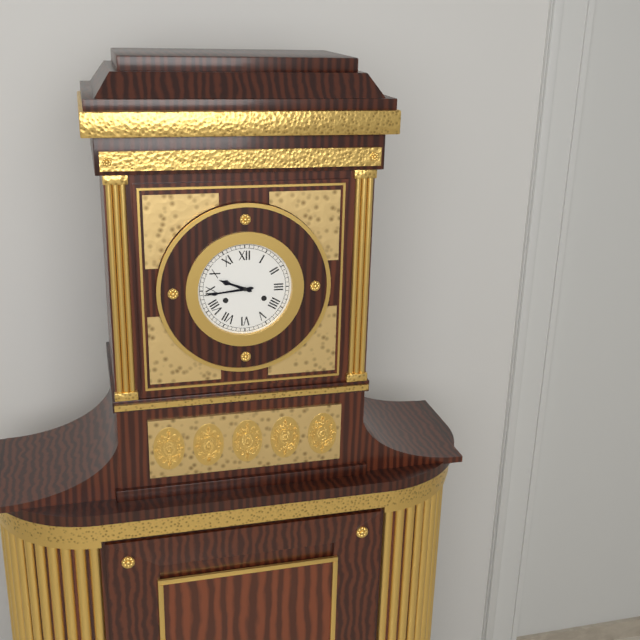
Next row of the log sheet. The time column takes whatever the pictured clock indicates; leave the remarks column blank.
9:44
